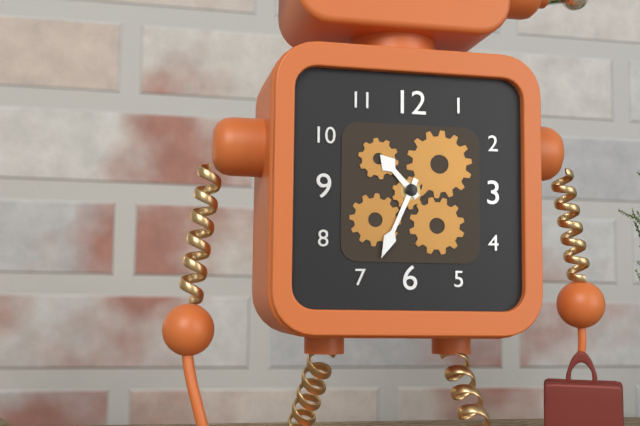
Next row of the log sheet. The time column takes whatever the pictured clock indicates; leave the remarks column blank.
10:34
